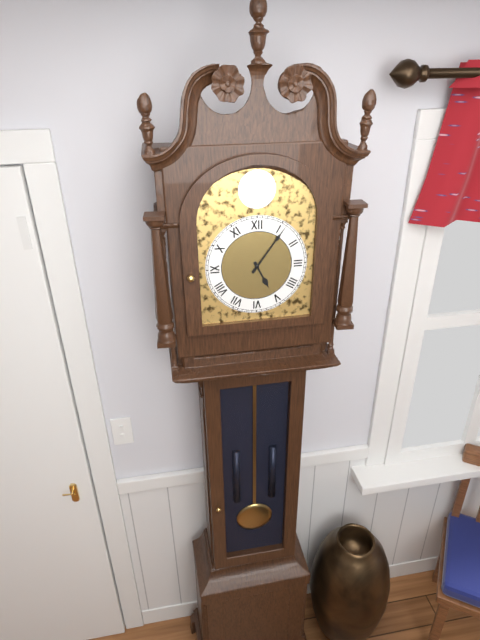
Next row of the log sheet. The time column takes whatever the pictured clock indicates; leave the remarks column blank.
5:06
